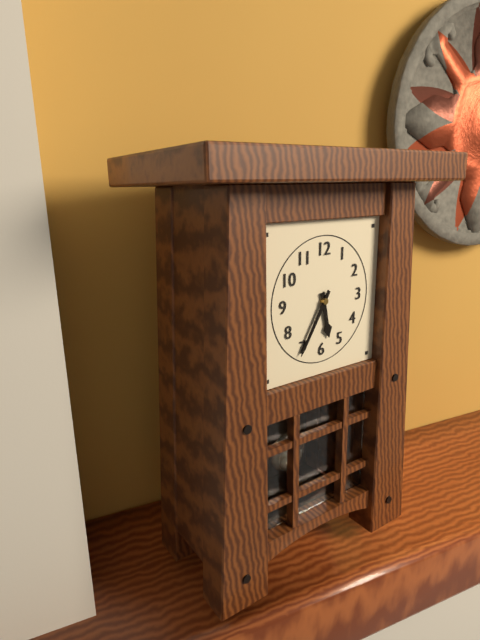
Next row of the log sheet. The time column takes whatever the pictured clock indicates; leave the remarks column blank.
5:35
